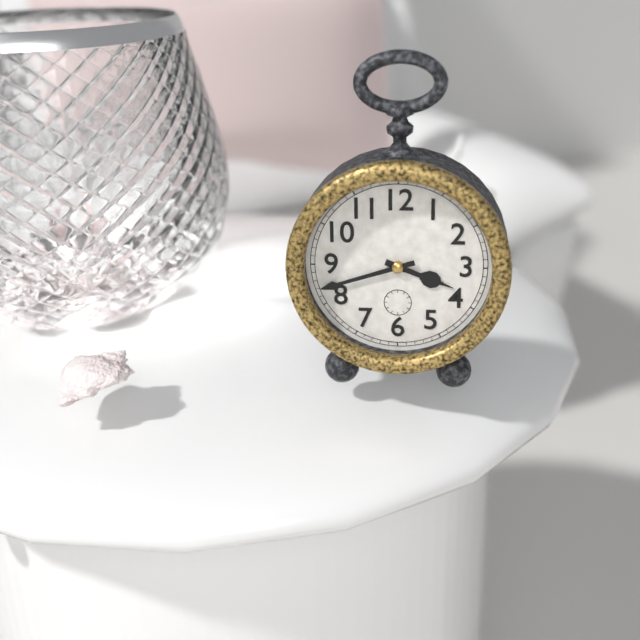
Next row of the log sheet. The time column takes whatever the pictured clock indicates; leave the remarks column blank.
3:42
